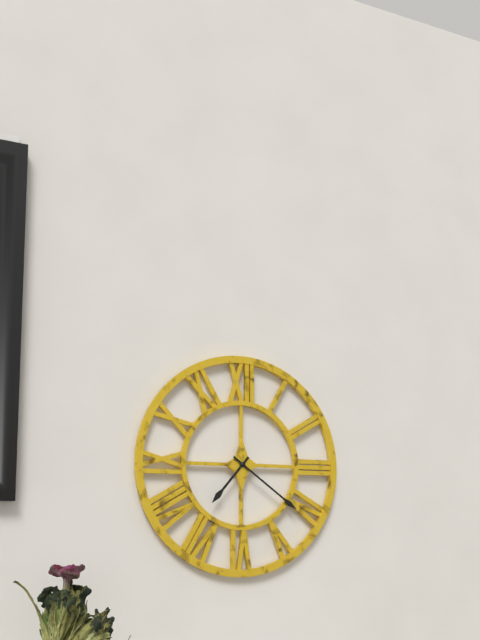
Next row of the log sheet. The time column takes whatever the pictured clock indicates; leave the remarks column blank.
7:21
